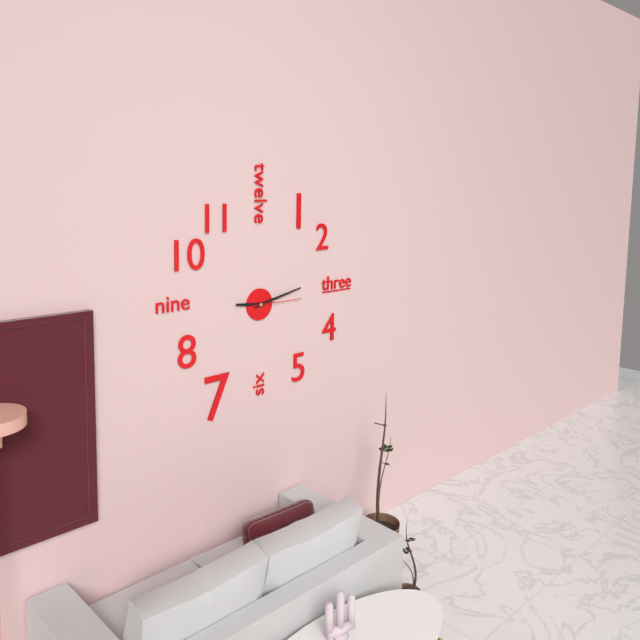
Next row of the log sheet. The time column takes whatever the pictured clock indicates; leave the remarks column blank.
9:13:15
